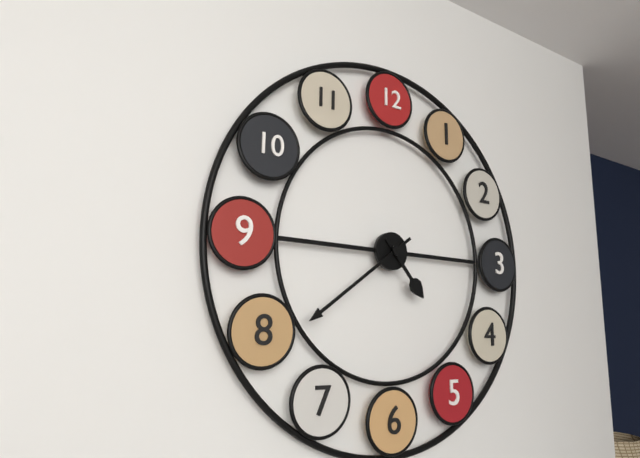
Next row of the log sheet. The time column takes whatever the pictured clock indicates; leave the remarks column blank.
4:39
